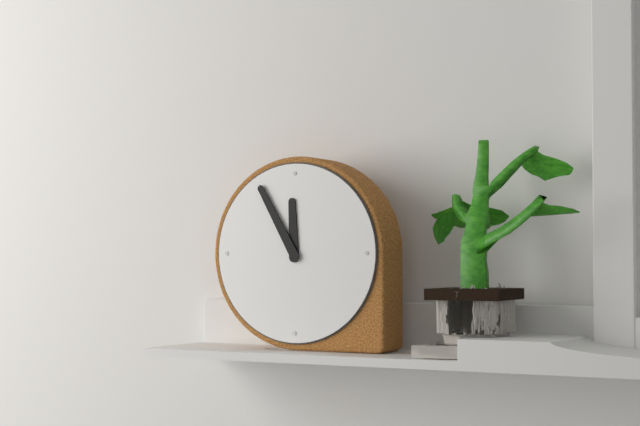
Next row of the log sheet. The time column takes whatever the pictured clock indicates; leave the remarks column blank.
11:55
